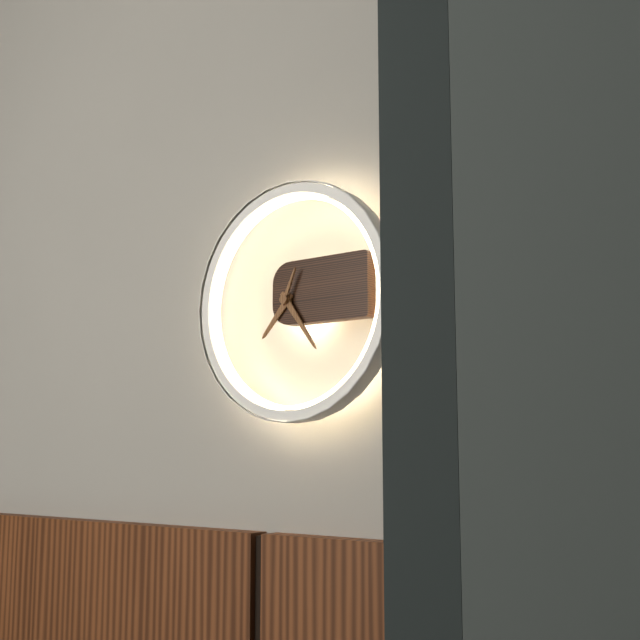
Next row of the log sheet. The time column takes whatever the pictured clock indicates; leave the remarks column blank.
7:24:04
